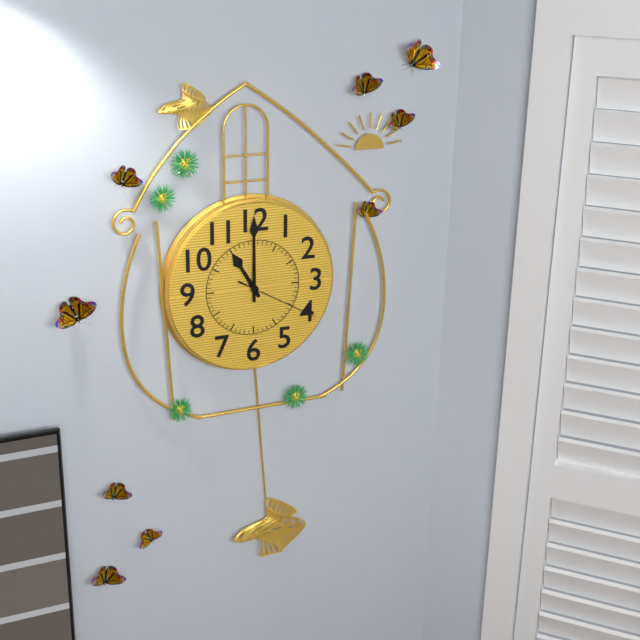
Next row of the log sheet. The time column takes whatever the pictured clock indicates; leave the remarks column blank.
11:00:20
